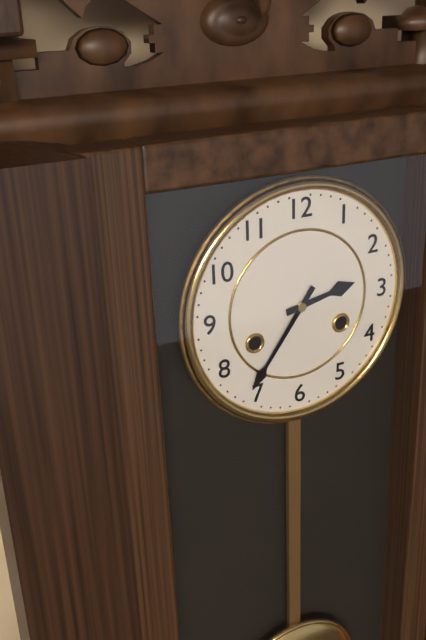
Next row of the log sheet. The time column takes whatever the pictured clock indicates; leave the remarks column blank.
2:36
